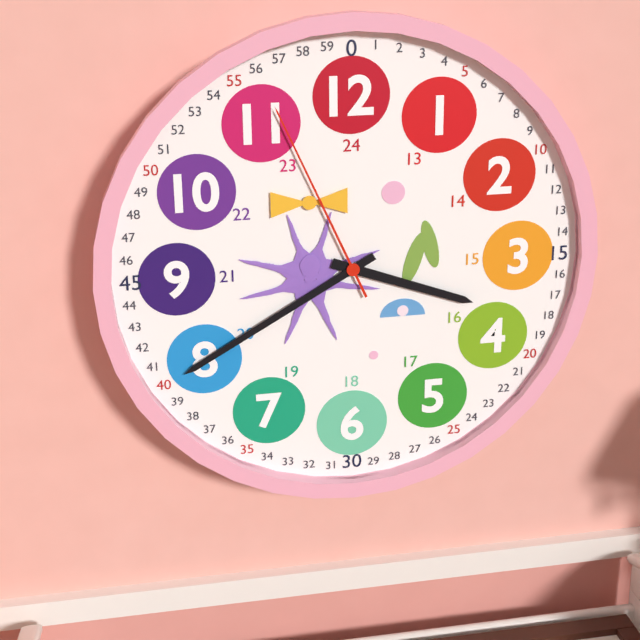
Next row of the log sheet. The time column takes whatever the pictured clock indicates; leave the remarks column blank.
3:40:56
